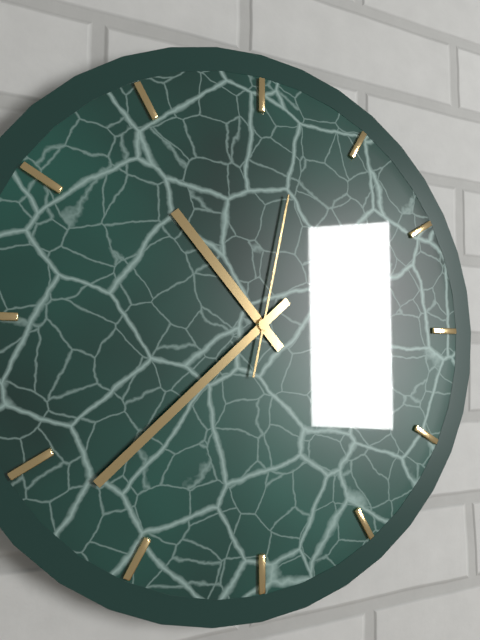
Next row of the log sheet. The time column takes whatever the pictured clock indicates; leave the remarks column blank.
10:38:02
